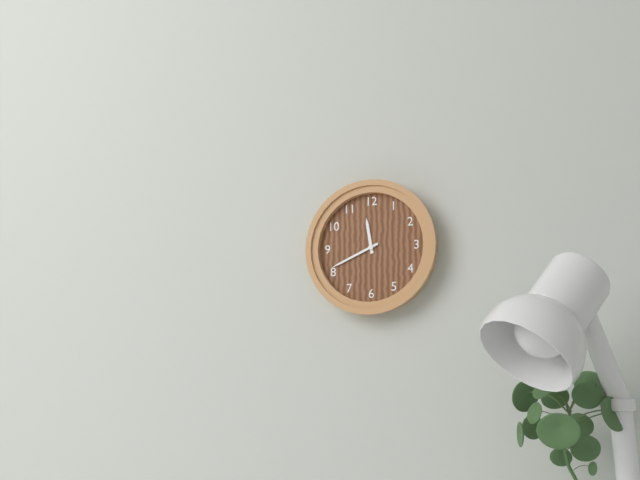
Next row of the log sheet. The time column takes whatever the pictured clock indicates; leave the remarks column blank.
11:41
